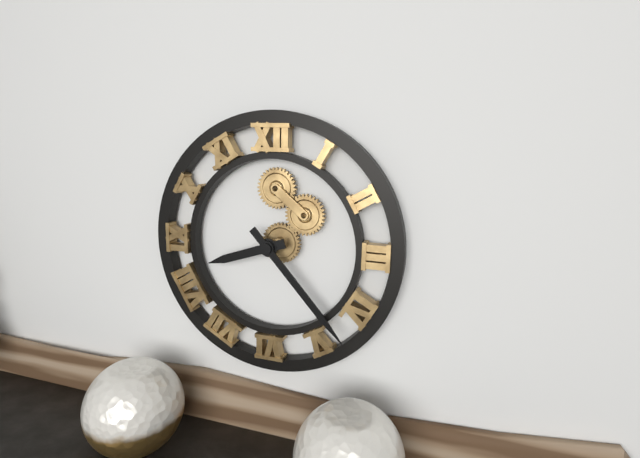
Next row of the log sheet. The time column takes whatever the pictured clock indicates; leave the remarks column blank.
8:23
